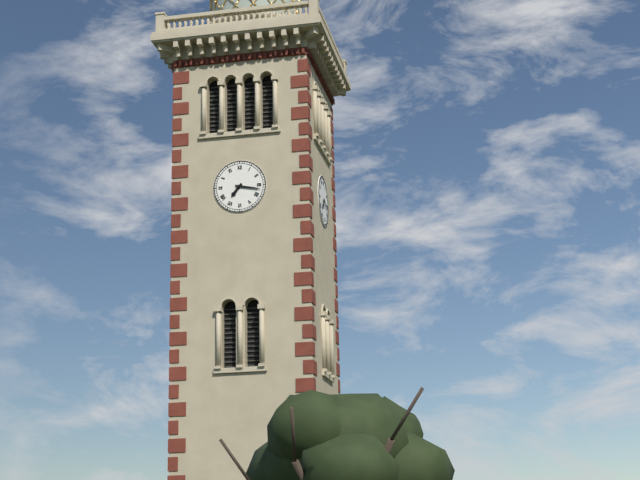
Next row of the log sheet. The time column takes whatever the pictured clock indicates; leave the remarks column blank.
7:17
